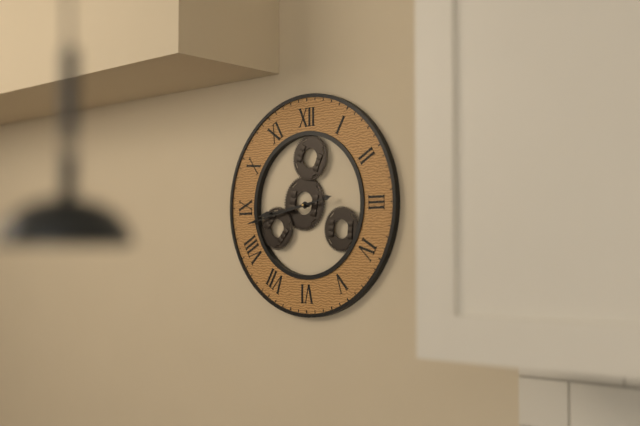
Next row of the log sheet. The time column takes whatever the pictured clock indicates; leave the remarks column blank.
8:43
